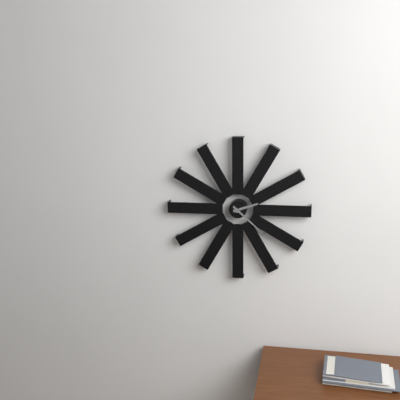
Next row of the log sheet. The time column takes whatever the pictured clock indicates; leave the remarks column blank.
2:22
